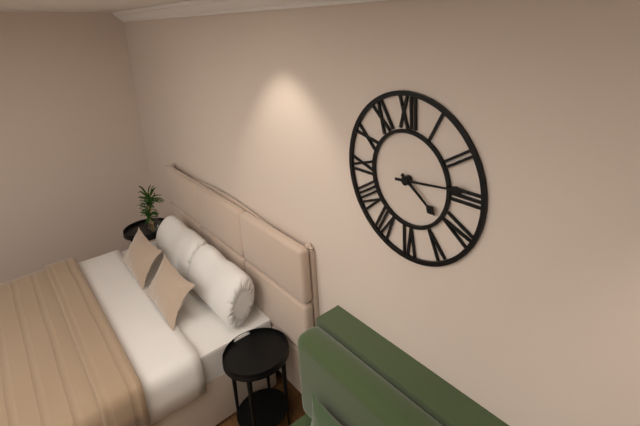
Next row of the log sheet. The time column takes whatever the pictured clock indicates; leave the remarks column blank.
4:14
